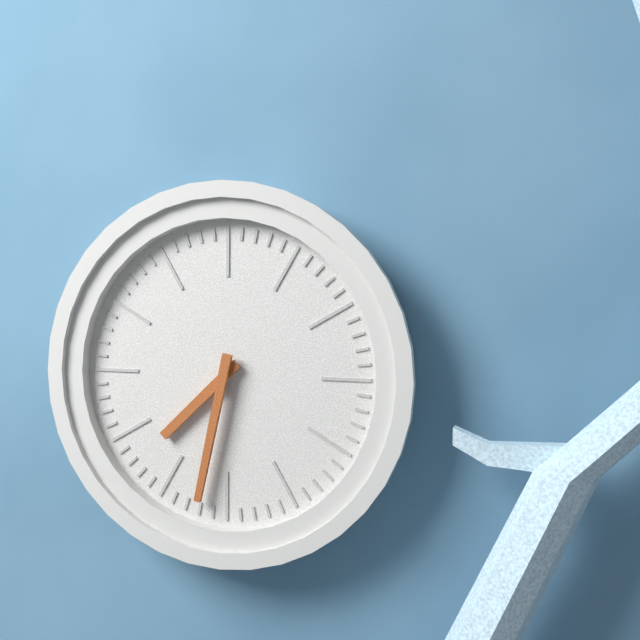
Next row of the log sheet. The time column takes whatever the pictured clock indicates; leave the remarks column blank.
7:32
